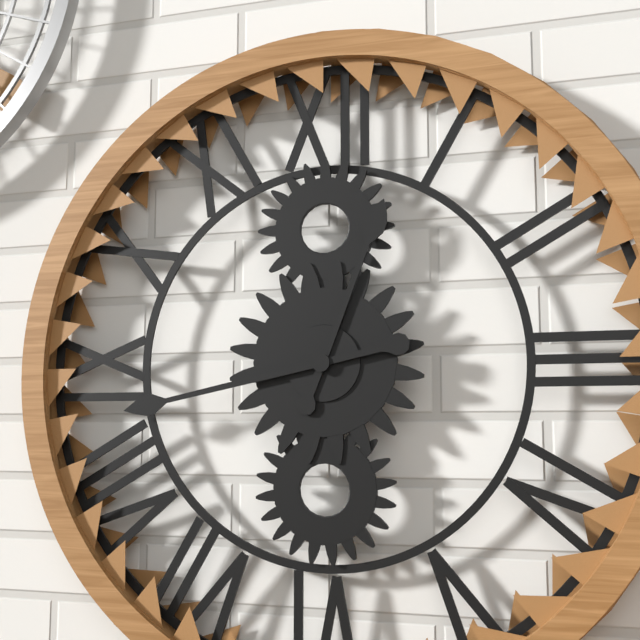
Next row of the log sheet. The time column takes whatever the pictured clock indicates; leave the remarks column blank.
12:43
